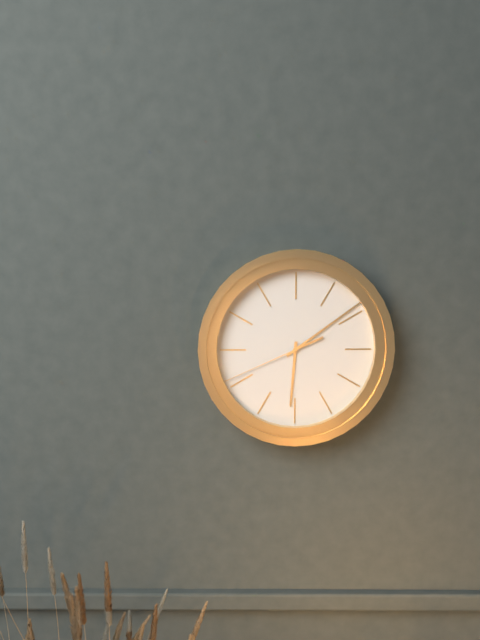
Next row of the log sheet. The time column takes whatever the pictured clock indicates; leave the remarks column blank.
6:09:41
